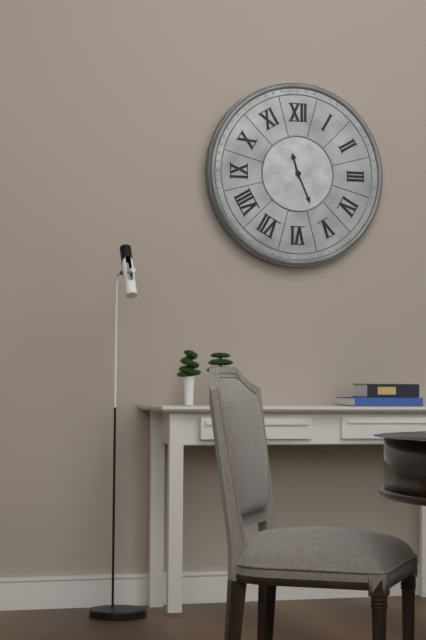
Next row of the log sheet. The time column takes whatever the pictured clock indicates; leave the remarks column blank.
11:26
